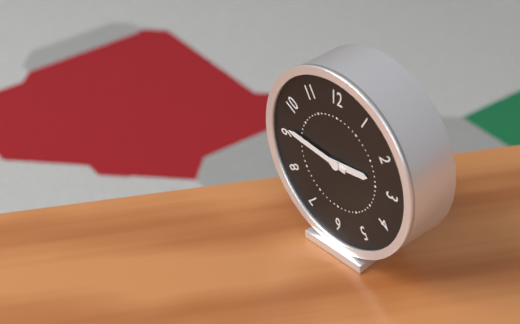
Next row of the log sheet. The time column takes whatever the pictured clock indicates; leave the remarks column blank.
2:46
